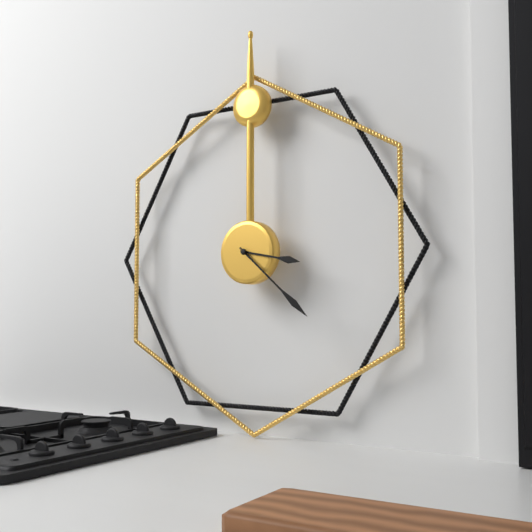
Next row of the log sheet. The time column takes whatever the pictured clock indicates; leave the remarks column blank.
3:22
